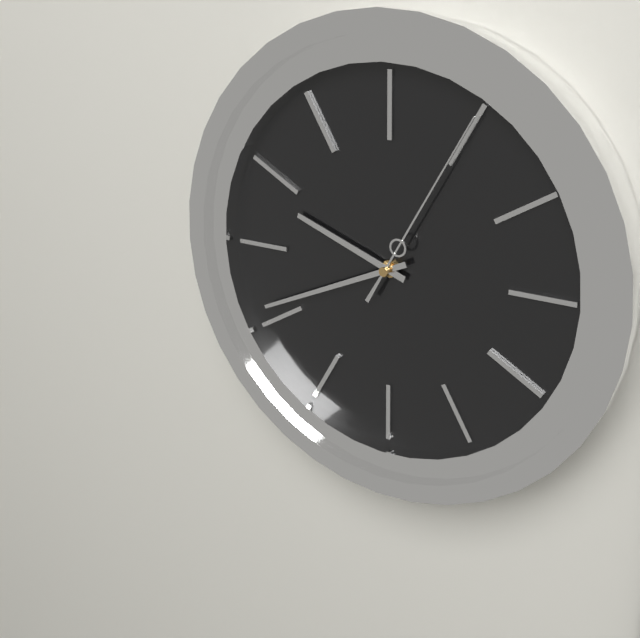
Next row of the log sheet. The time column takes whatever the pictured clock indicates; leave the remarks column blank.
9:41:05
